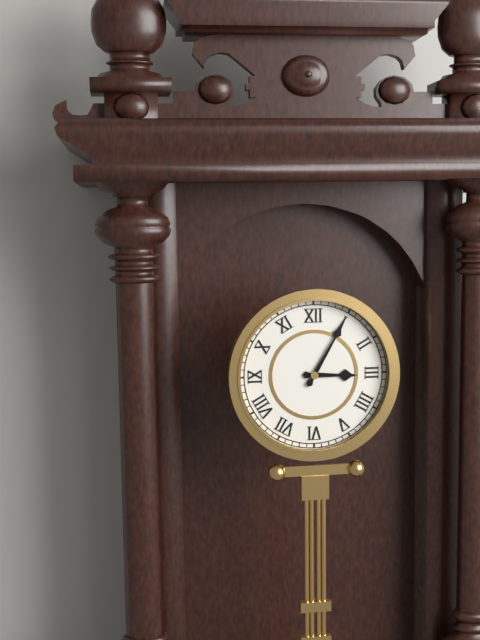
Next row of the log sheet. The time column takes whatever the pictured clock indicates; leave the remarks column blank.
3:05
